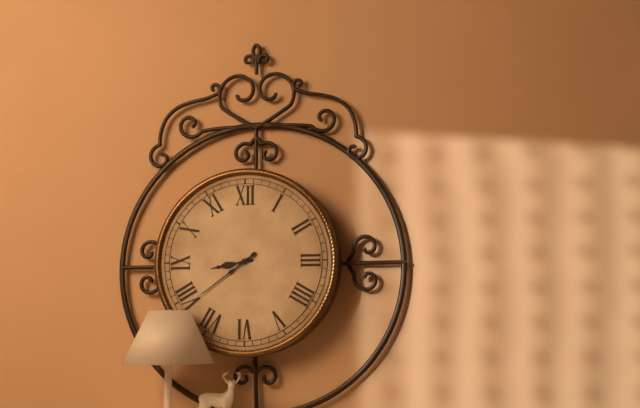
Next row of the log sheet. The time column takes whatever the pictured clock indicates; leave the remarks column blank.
8:39
